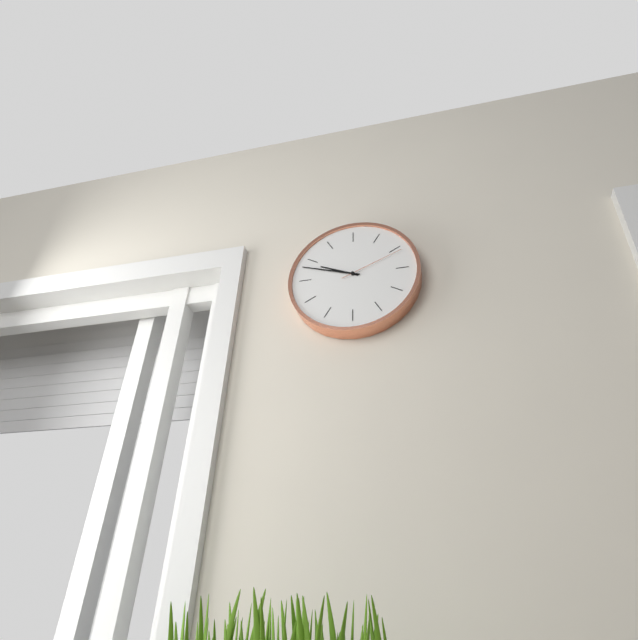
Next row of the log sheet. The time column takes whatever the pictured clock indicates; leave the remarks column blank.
9:48:11
